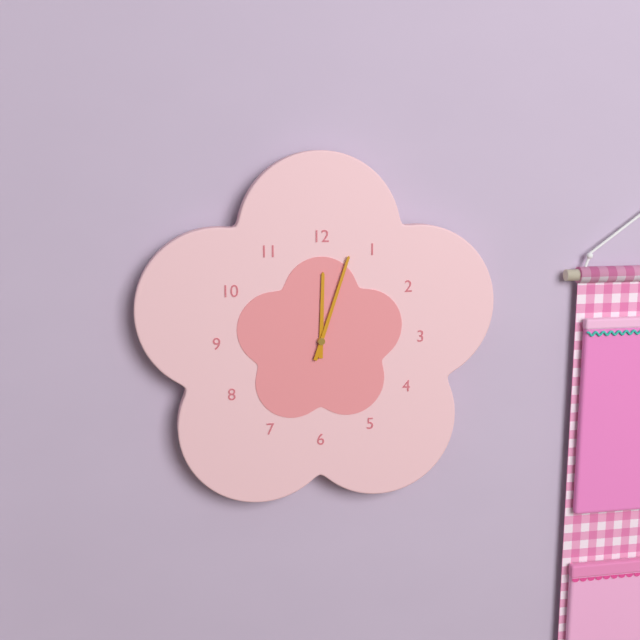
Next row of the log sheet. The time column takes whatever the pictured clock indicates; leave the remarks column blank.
12:03
